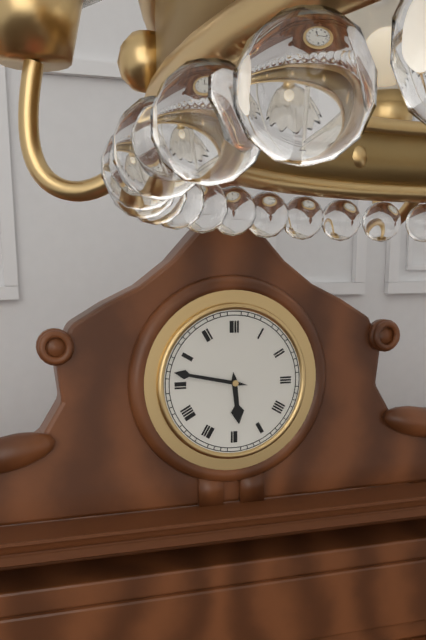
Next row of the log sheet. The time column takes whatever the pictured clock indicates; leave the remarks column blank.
5:47
